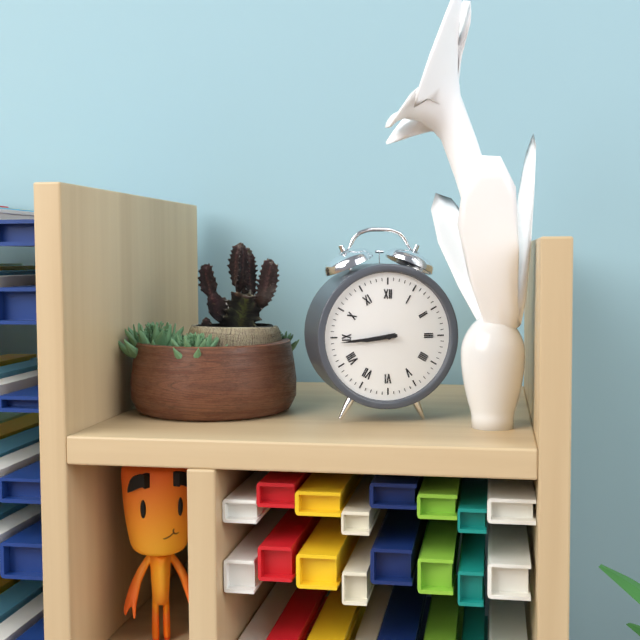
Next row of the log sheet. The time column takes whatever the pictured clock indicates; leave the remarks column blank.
8:44
